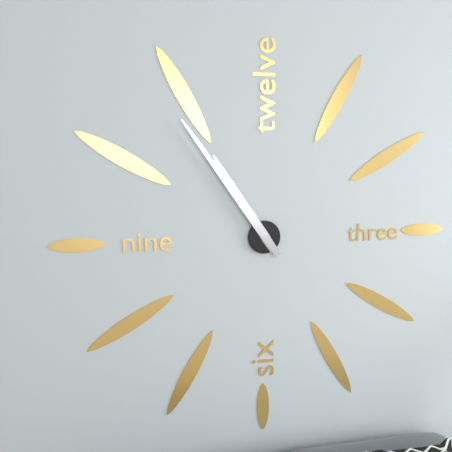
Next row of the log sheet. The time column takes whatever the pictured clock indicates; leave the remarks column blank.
10:54
